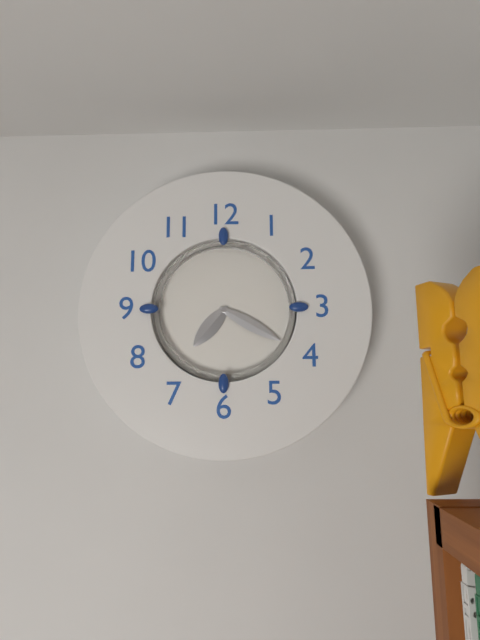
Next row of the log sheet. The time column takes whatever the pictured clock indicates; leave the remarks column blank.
7:20
